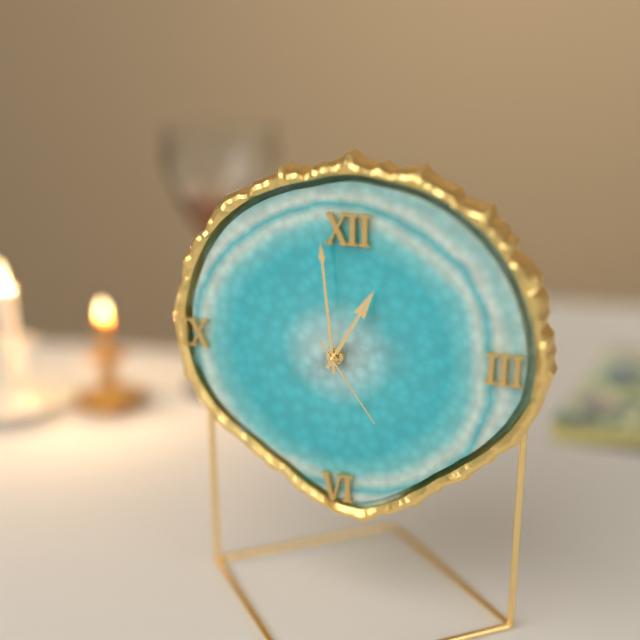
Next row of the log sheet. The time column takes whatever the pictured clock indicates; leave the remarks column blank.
12:59:24
